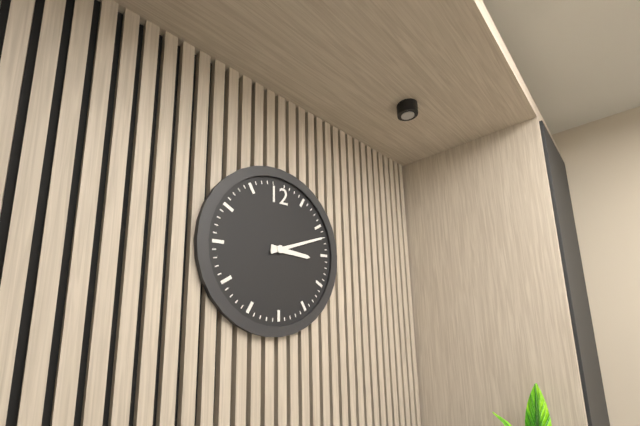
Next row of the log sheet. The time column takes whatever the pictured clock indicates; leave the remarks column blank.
3:12
